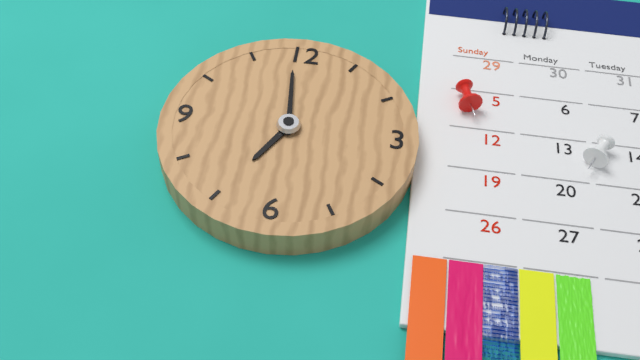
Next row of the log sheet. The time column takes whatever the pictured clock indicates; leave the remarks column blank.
6:59
